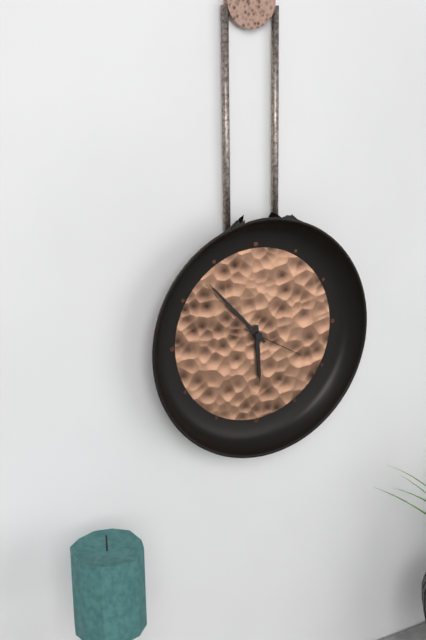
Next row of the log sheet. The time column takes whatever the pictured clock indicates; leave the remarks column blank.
5:53:20
